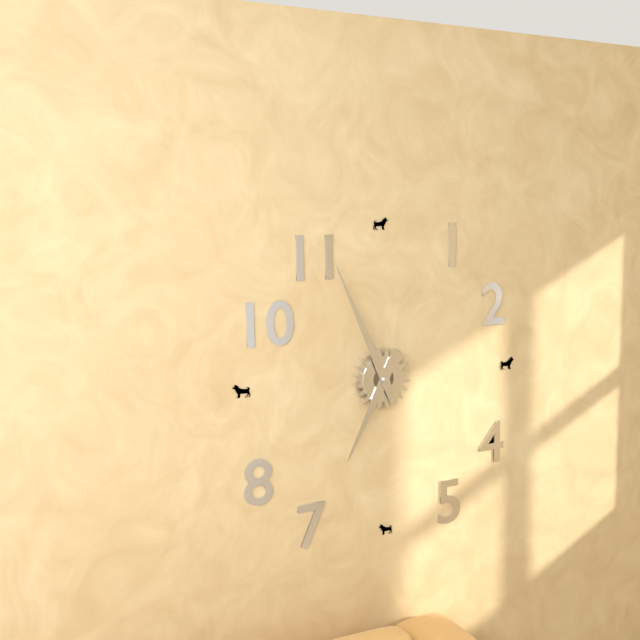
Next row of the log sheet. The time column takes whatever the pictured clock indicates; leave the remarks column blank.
6:56
